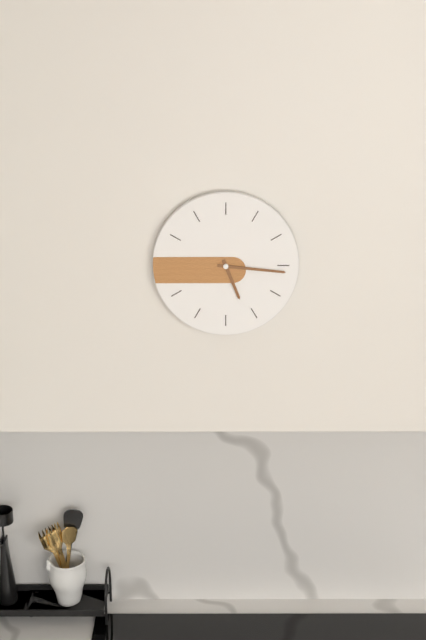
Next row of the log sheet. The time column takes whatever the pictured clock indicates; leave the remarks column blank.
5:16
